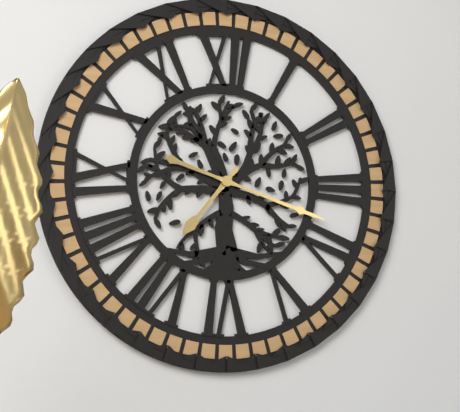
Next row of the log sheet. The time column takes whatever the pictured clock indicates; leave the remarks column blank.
7:18
